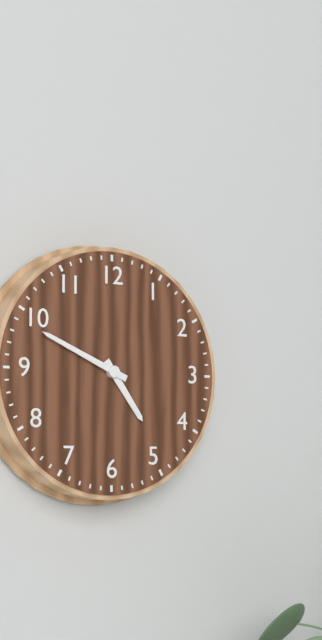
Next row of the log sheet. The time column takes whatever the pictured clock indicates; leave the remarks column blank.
4:49
